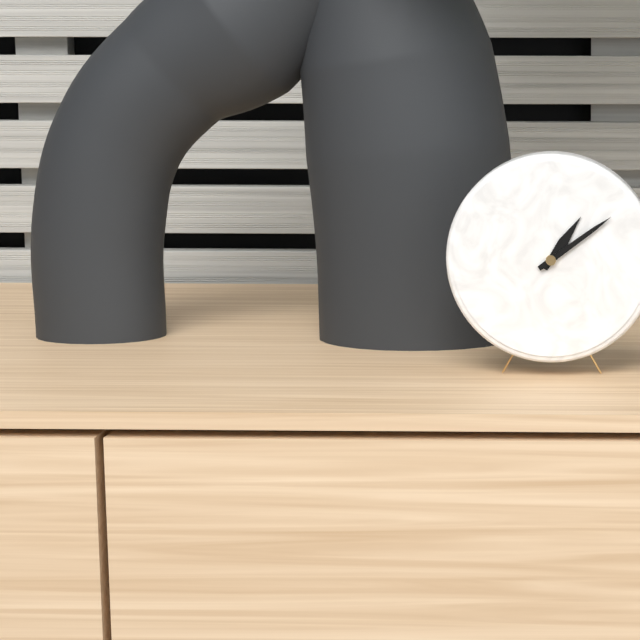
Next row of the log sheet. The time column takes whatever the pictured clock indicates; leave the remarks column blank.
1:09
